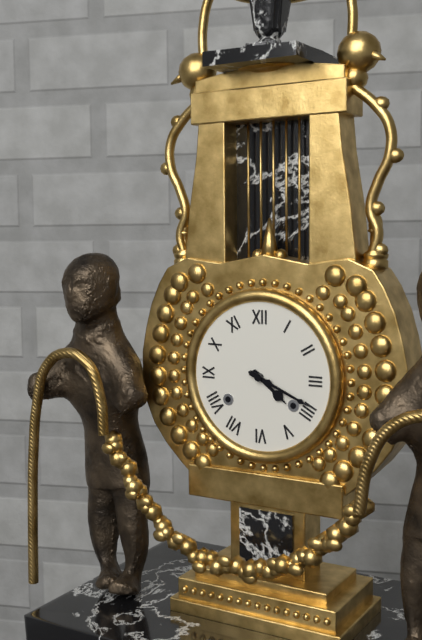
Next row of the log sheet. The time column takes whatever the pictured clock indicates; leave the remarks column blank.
4:19
